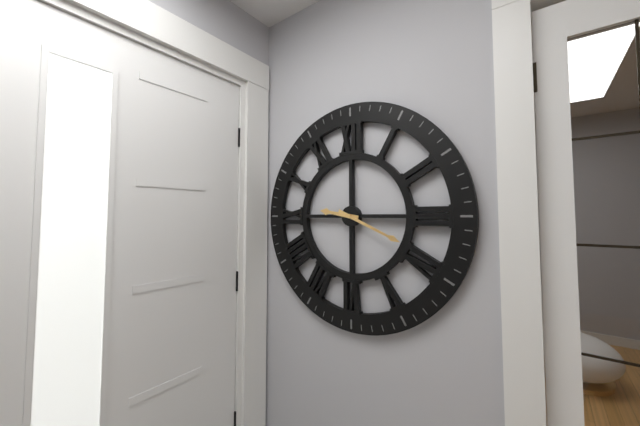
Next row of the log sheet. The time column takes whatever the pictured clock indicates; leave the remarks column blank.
9:19
